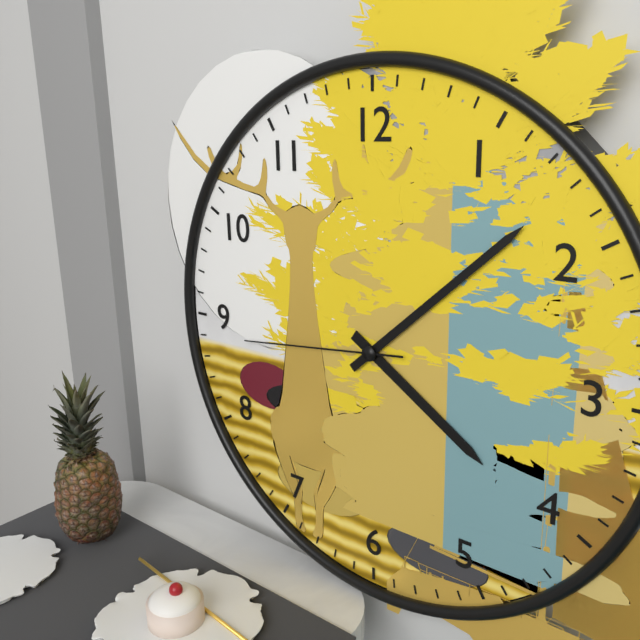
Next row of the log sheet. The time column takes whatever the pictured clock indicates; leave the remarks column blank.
4:08:44
